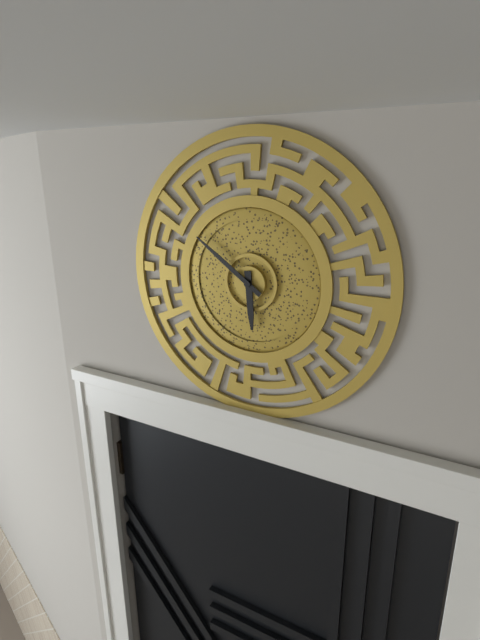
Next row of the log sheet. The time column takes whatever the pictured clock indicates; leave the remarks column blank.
5:51
